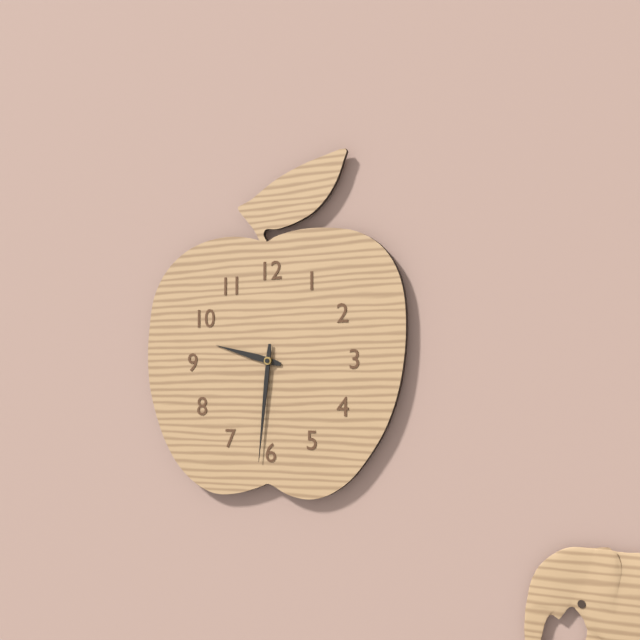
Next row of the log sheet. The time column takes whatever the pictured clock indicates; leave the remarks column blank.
9:31
